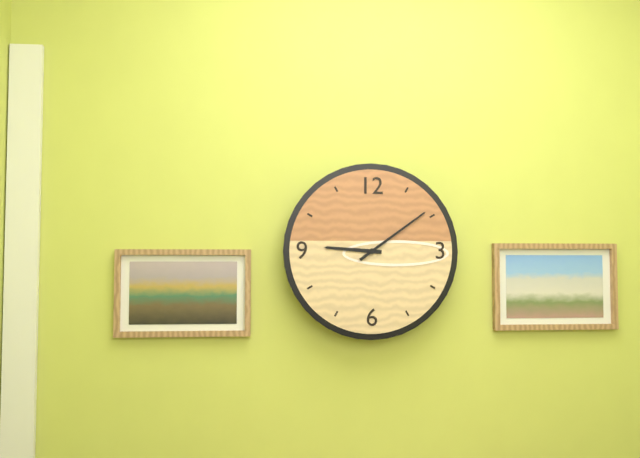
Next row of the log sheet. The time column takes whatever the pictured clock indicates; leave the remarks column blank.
9:09
